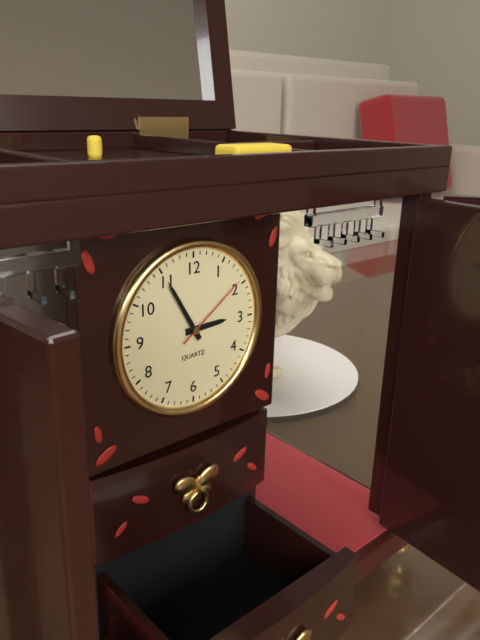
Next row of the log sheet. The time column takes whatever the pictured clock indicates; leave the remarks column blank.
2:55:09
